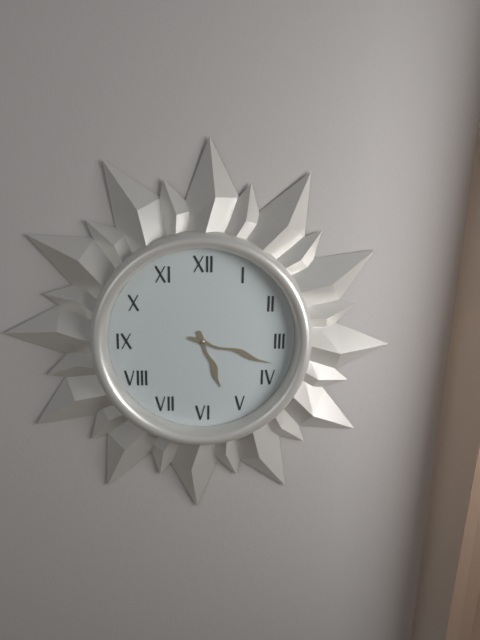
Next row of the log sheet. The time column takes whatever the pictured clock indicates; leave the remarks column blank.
5:18
